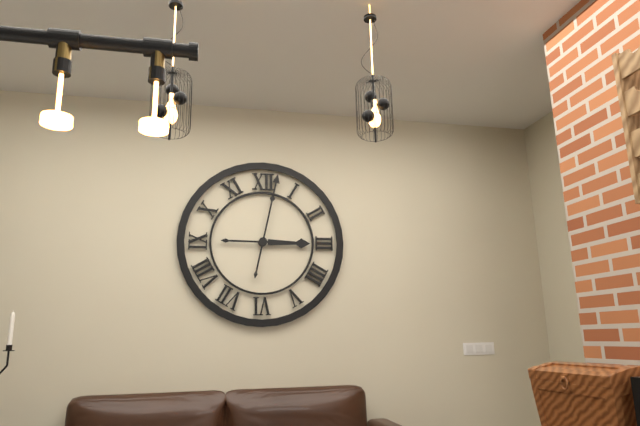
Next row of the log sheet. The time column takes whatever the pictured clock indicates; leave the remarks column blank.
3:02
